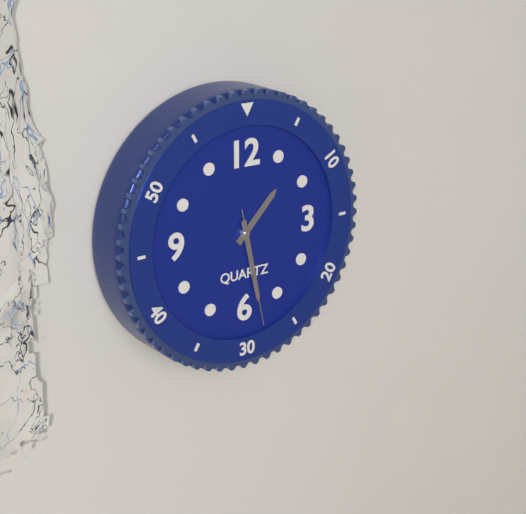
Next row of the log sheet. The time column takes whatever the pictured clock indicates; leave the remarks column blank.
1:28:28
